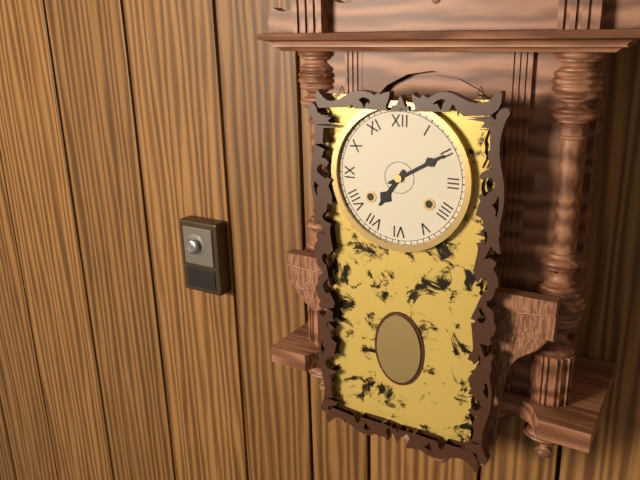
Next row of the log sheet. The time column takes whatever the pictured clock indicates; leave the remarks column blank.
7:10
